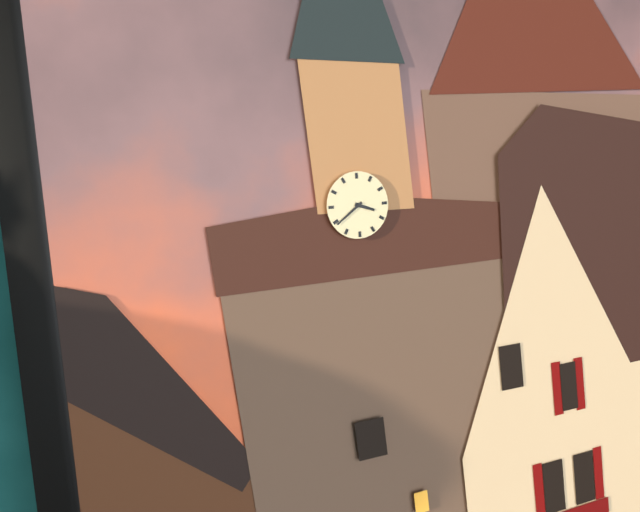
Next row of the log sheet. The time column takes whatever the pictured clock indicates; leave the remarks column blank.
3:39
